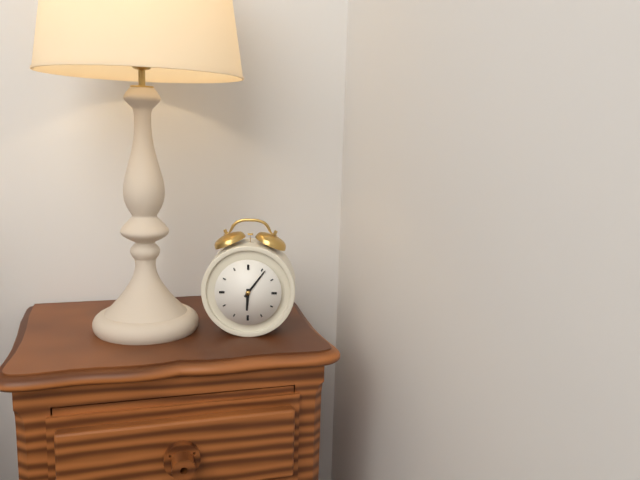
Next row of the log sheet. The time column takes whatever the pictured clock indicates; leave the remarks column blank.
6:06
